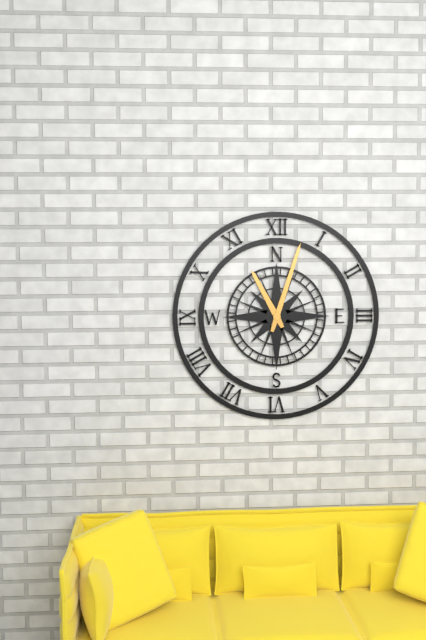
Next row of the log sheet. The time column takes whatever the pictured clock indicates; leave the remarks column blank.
11:03
